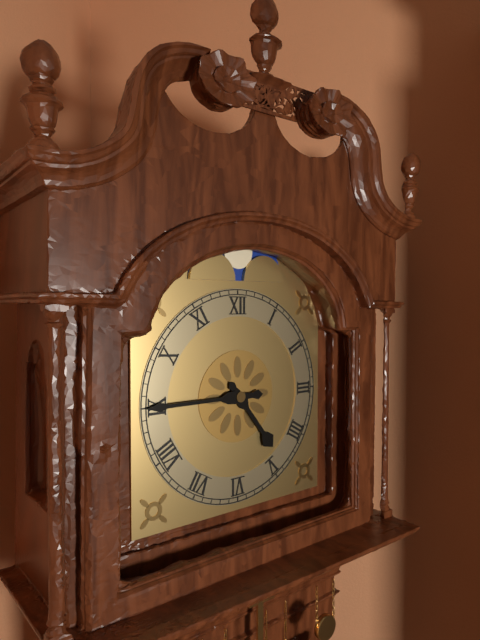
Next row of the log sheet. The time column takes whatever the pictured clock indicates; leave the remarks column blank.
4:45
